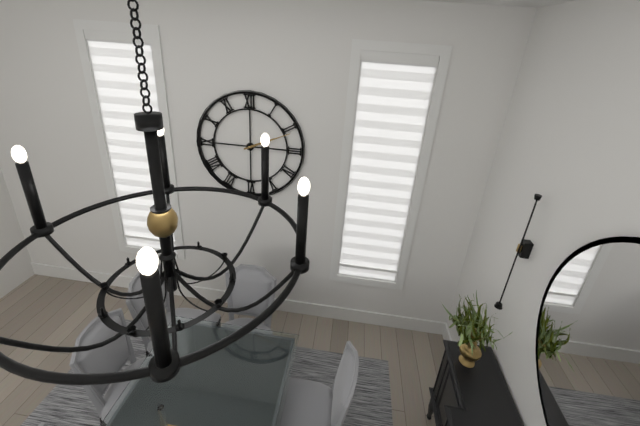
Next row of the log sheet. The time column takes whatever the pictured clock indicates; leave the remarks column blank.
2:11
